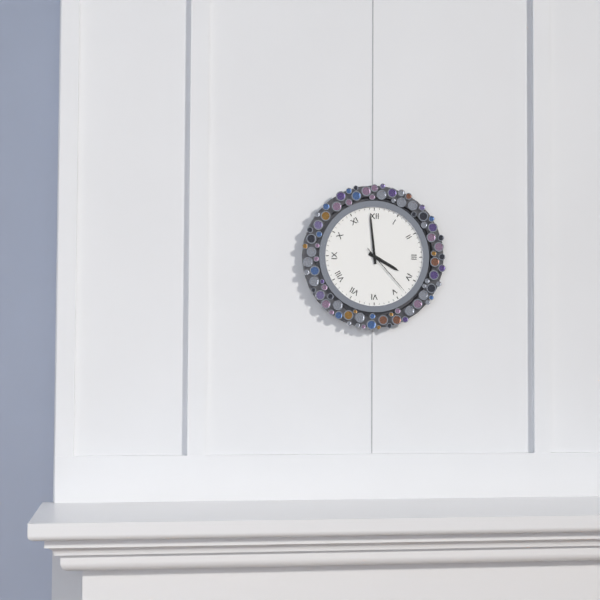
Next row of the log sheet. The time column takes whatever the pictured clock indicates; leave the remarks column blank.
3:59:23
